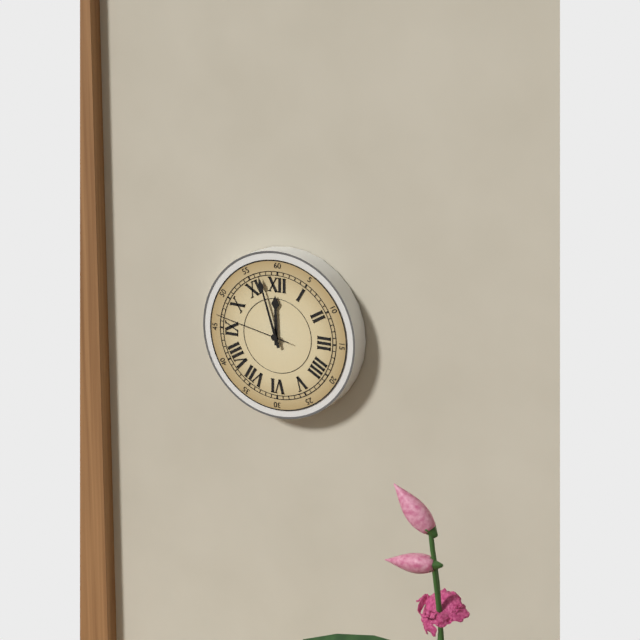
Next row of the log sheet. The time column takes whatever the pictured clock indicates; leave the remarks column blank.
11:57:47
